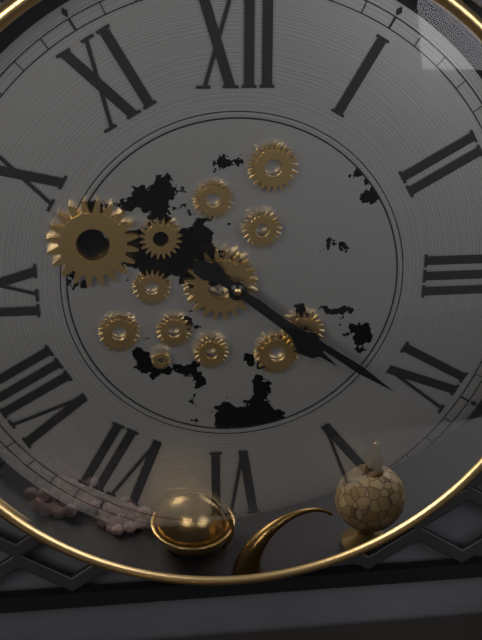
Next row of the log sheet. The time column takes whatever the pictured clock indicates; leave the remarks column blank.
4:21
